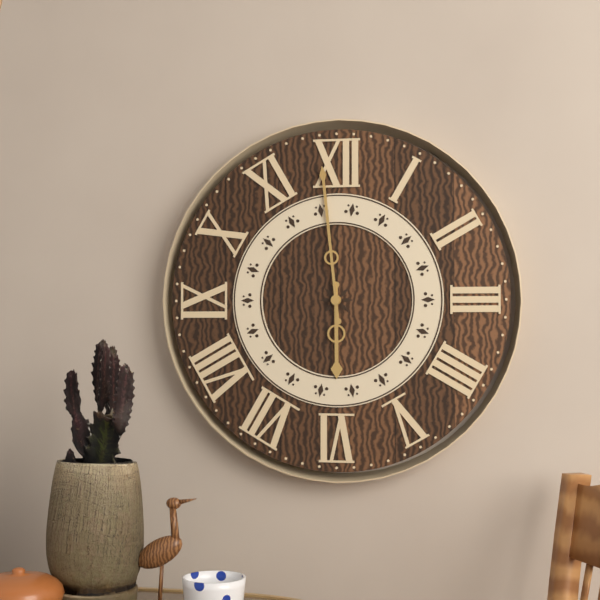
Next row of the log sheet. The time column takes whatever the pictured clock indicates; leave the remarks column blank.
5:59
